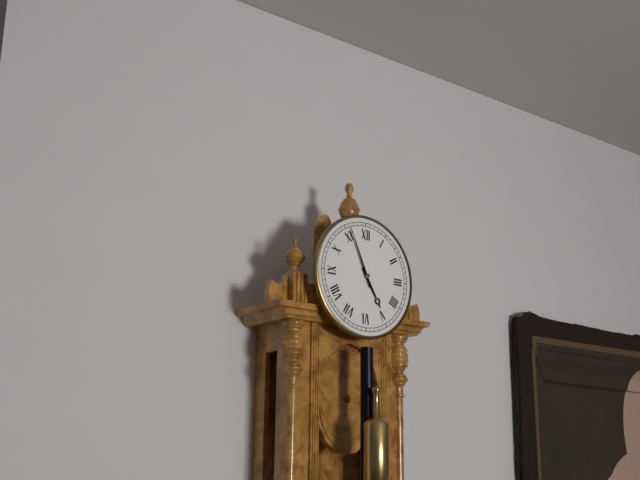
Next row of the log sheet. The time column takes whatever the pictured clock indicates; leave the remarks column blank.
4:56
